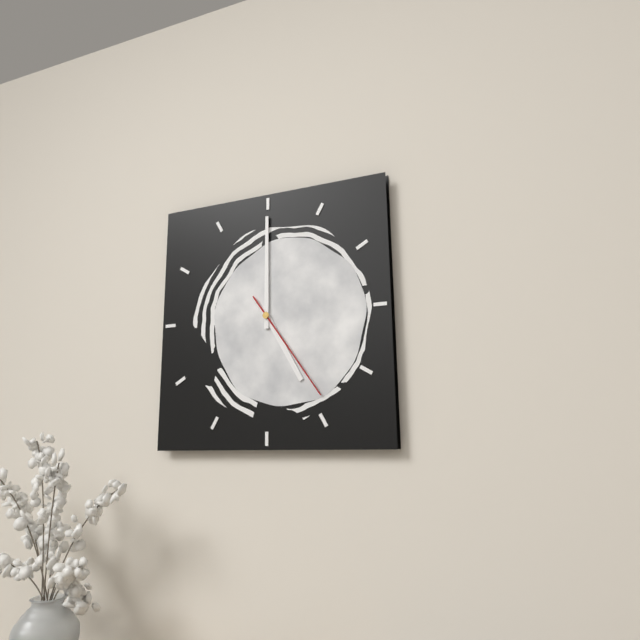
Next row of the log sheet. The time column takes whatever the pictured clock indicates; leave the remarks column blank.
5:00:24
